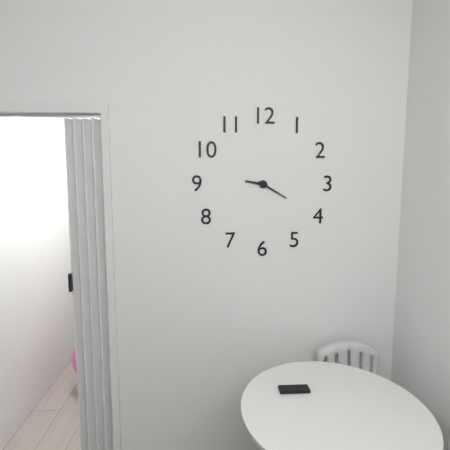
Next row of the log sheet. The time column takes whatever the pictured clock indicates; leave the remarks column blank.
9:20
